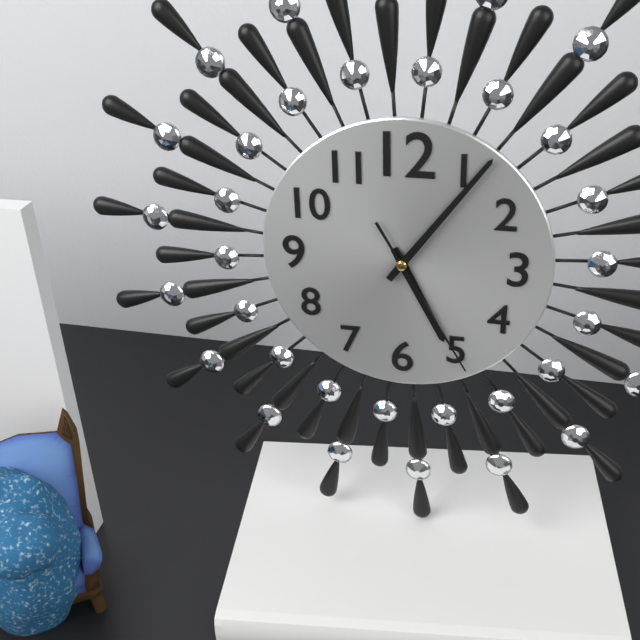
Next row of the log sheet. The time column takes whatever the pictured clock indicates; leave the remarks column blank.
5:06:25
